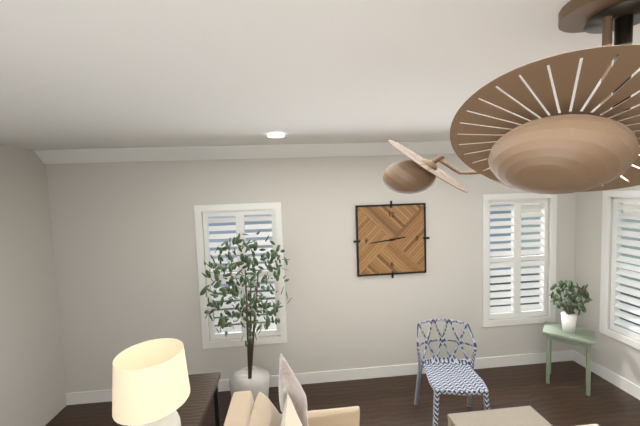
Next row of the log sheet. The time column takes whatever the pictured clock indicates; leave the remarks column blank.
2:44
